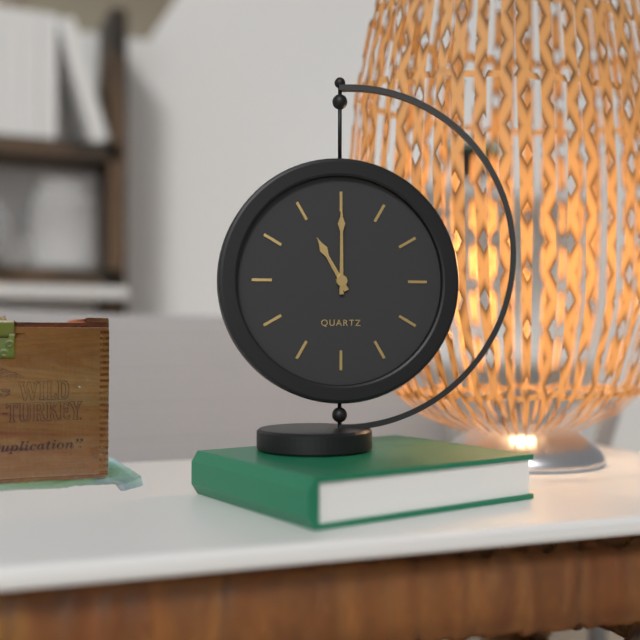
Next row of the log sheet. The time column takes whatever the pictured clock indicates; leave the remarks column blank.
11:00
